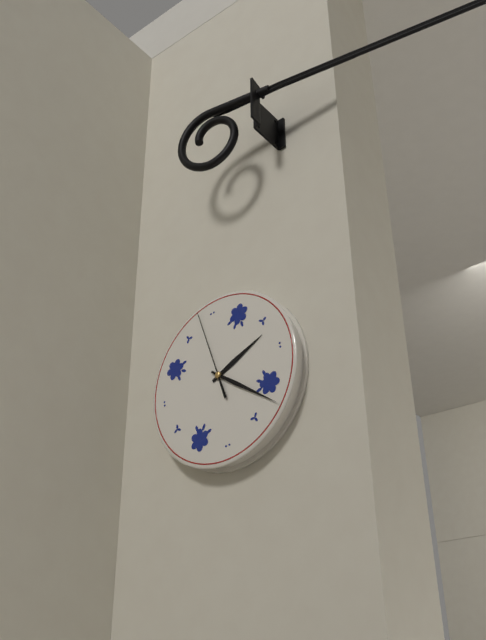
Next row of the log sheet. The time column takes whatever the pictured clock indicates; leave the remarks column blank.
2:22:58
